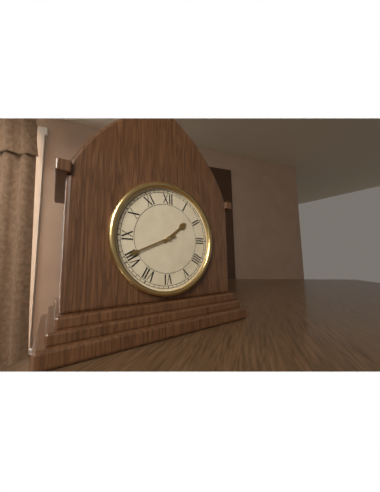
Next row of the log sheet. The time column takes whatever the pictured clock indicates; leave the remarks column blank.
1:41
